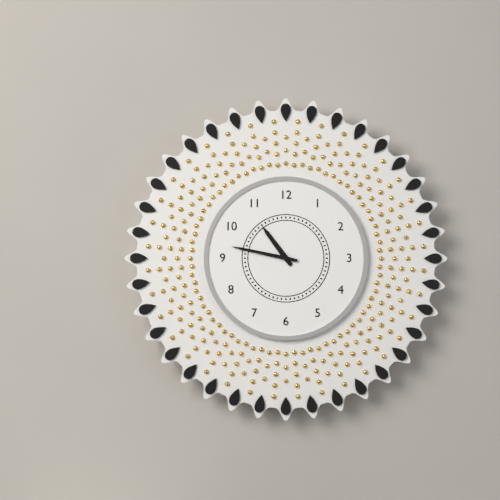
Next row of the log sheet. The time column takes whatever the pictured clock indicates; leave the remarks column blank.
10:47
